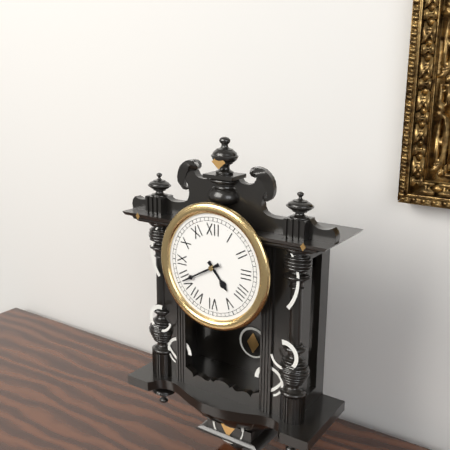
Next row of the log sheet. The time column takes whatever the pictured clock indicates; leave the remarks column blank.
4:40
